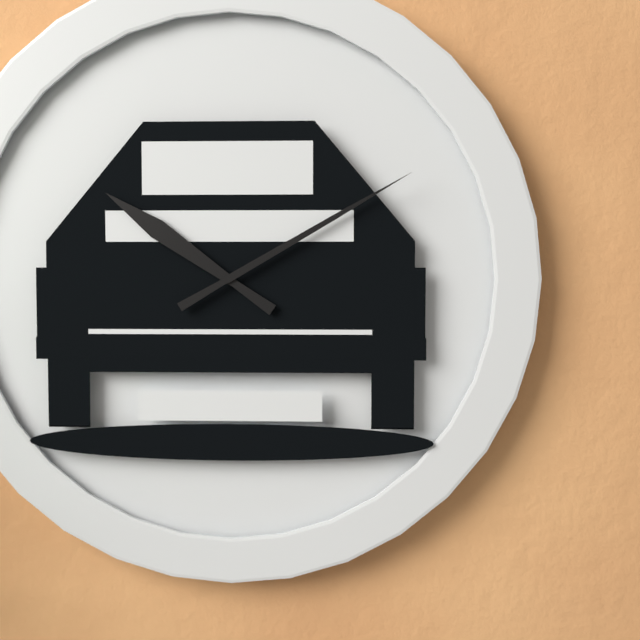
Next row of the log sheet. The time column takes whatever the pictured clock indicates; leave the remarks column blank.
10:10
